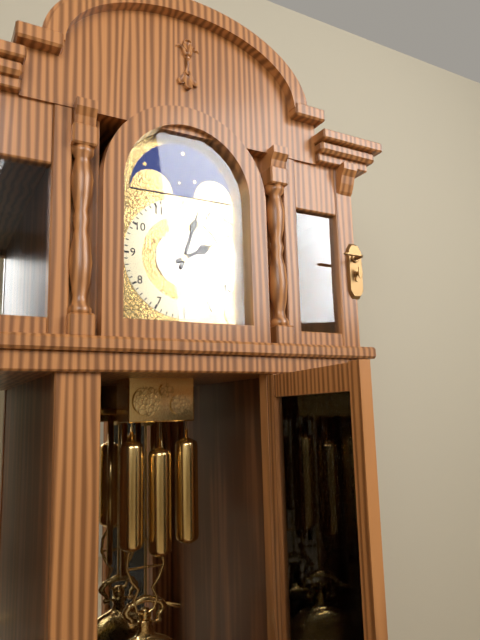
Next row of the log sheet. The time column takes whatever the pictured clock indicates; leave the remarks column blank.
2:03
